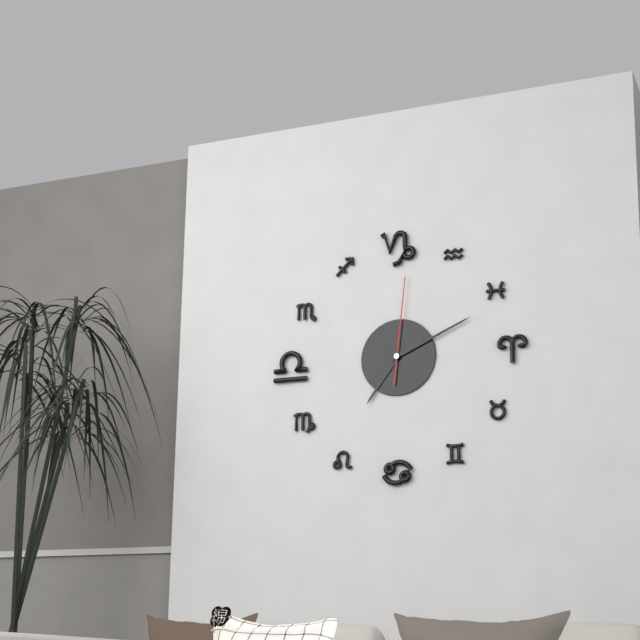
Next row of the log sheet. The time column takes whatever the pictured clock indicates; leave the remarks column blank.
7:11:01
